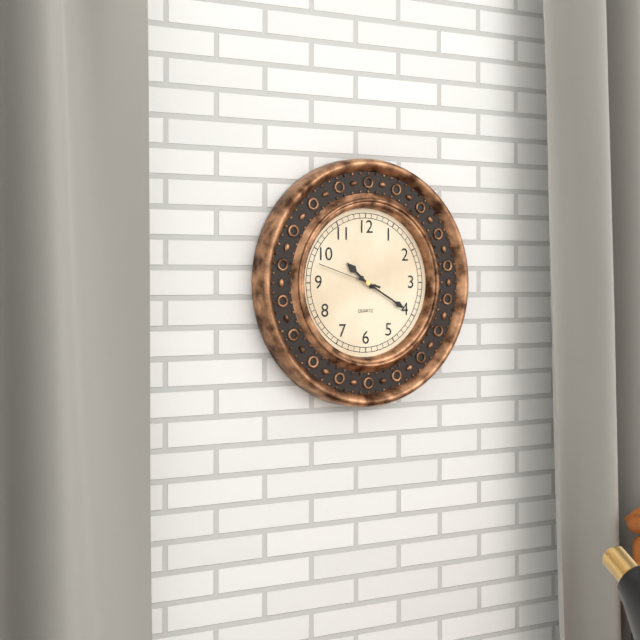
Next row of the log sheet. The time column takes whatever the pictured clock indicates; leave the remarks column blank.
10:20:48
